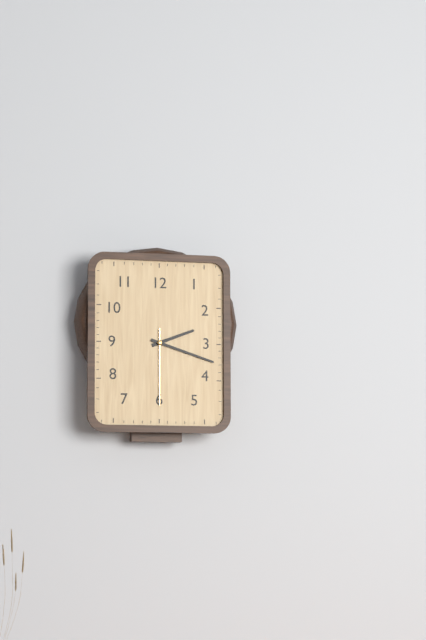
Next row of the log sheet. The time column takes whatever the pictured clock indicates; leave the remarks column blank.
2:18:30
